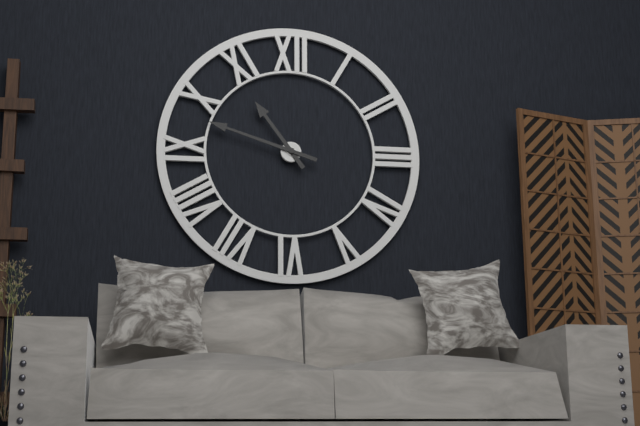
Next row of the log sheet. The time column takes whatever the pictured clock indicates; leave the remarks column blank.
10:48
